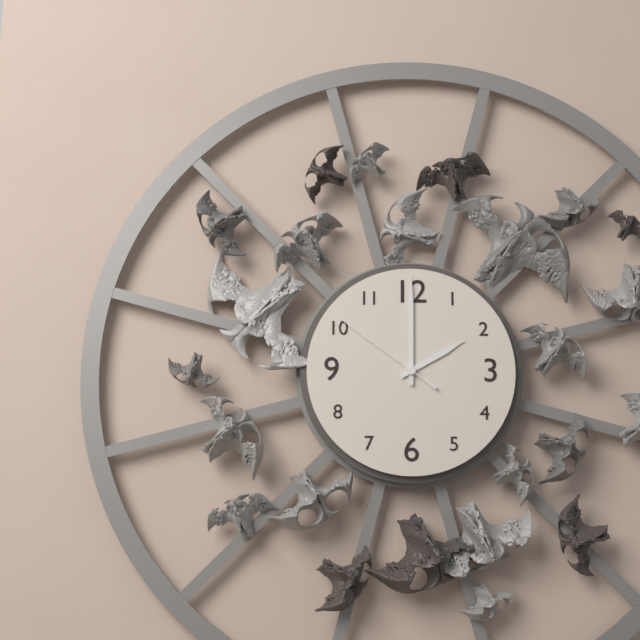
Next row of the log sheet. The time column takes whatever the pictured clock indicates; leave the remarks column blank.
2:00:51
